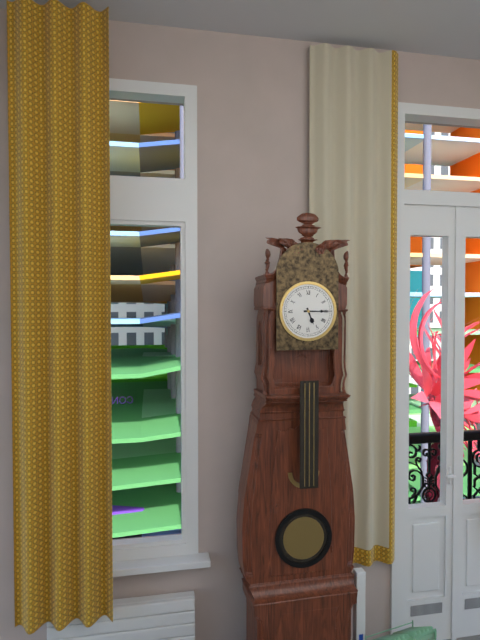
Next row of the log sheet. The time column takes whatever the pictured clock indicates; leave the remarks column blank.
5:15
